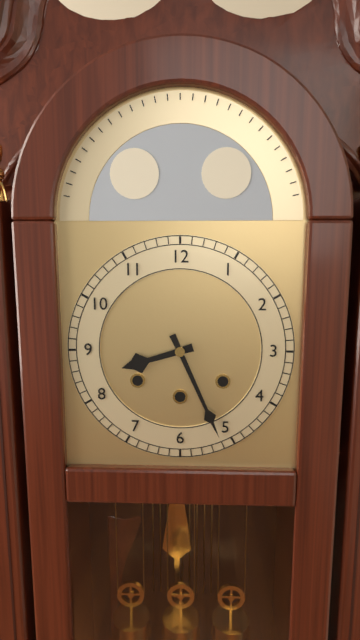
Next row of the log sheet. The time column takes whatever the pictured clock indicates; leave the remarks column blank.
8:26
